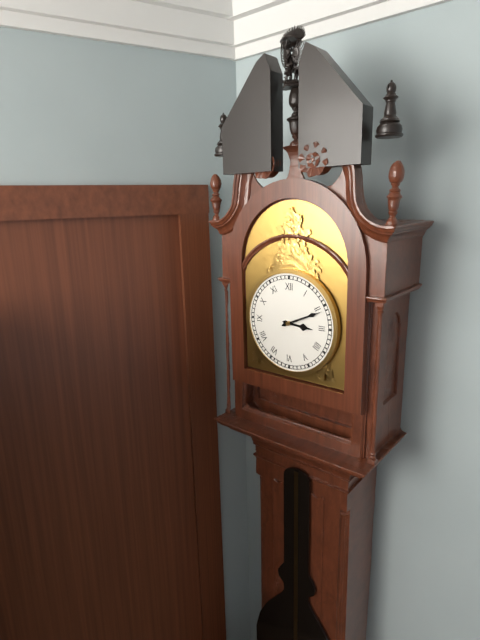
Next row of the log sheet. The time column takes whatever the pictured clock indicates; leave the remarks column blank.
3:11
